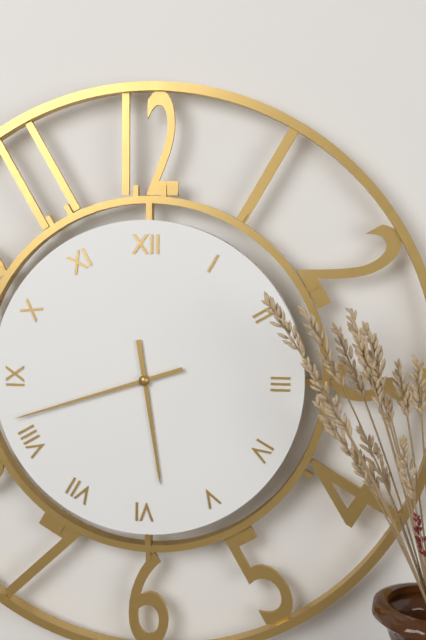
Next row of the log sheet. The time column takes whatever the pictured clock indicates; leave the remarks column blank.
5:42
